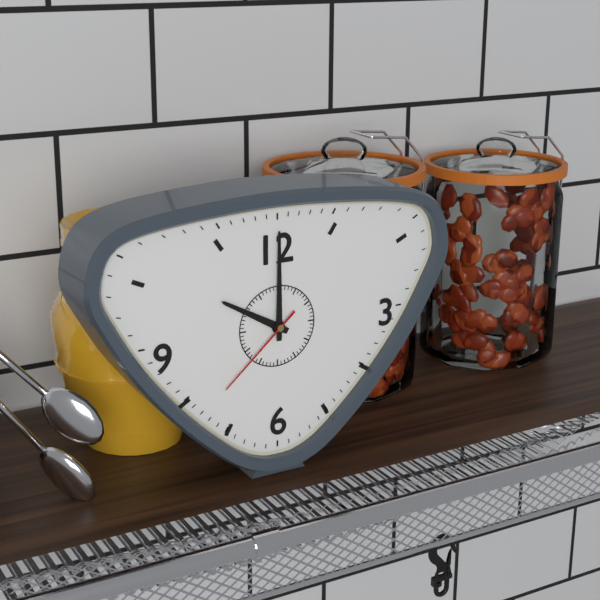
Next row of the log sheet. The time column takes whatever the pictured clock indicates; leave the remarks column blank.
10:00:38
